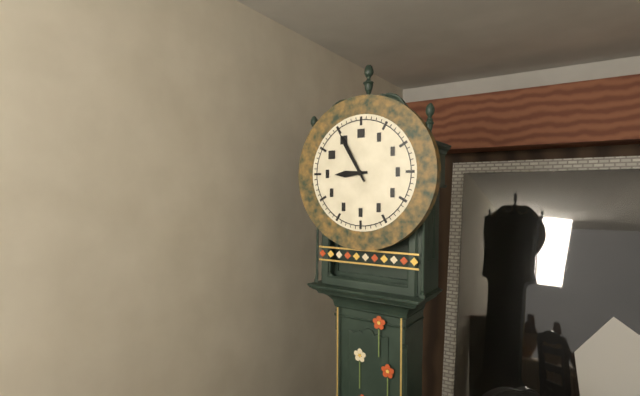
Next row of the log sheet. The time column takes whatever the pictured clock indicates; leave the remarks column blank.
8:55
